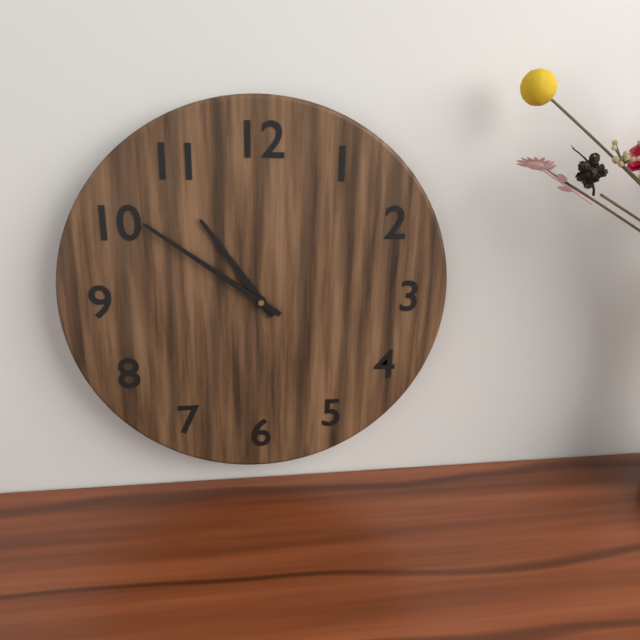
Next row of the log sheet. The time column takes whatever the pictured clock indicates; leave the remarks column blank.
10:51
